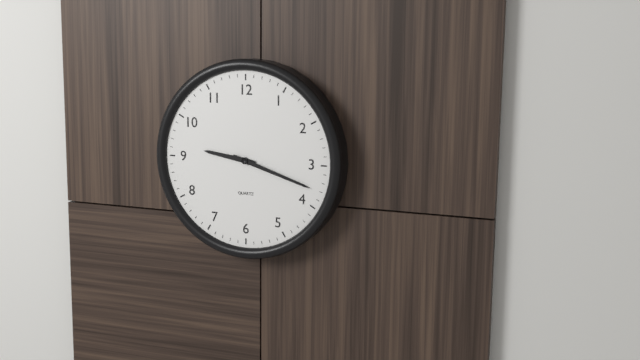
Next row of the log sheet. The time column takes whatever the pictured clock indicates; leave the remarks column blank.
9:18
